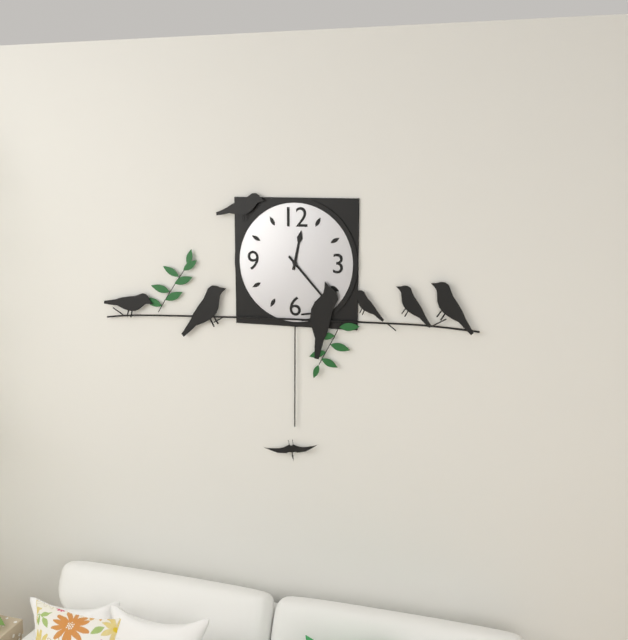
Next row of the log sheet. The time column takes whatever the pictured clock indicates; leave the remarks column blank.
12:23
